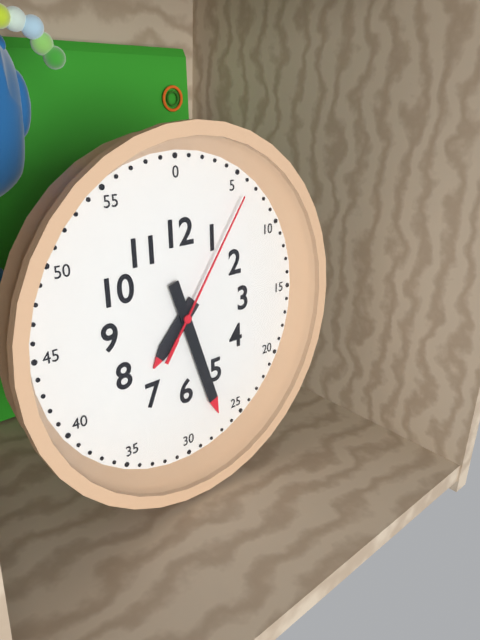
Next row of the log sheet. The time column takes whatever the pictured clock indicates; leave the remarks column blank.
7:27:06
